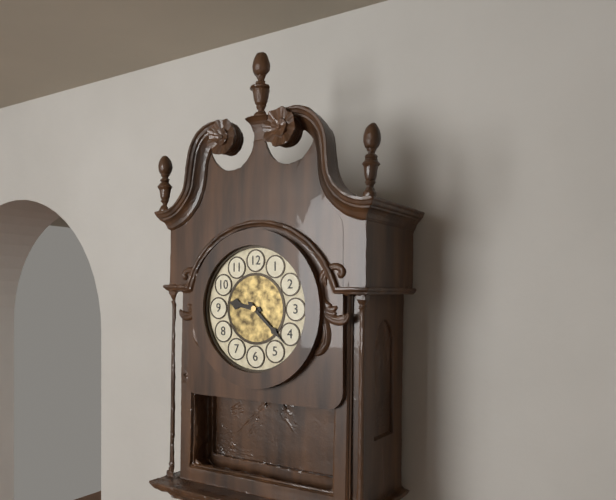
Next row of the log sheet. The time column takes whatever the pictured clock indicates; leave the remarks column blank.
9:22
